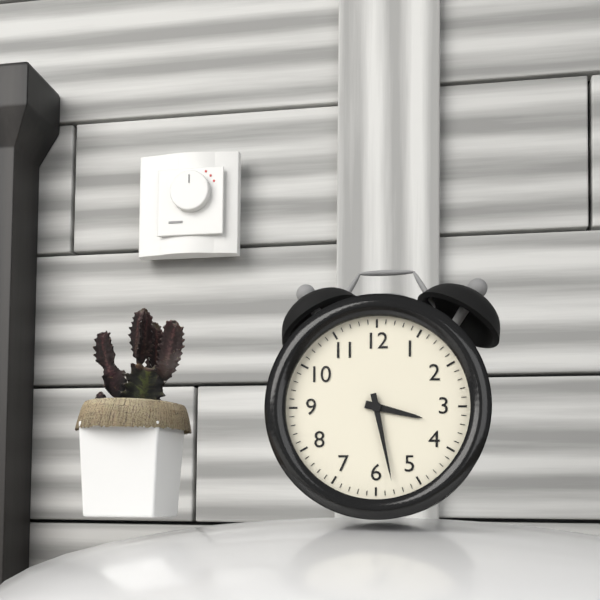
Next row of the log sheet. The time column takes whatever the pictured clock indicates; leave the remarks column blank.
3:28
